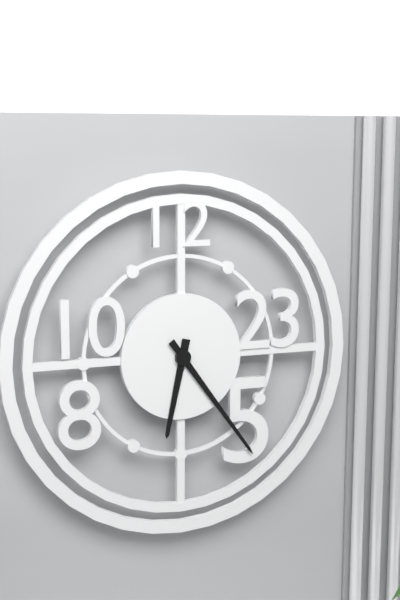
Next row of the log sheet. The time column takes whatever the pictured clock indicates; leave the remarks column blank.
6:24
